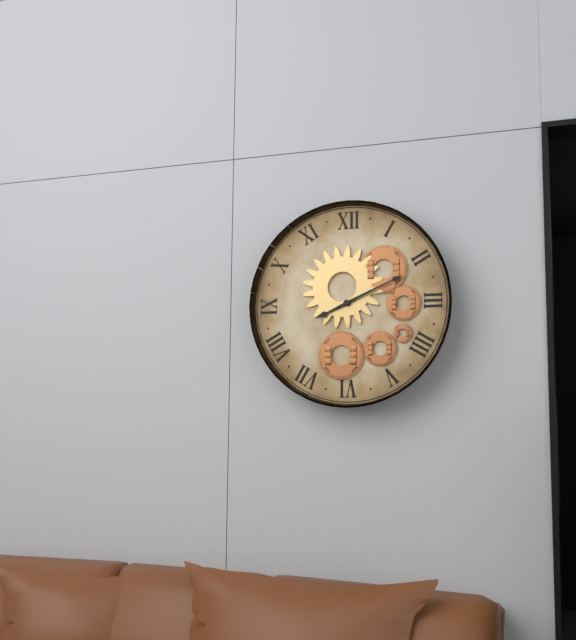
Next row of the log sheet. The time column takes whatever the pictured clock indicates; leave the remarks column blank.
8:11
